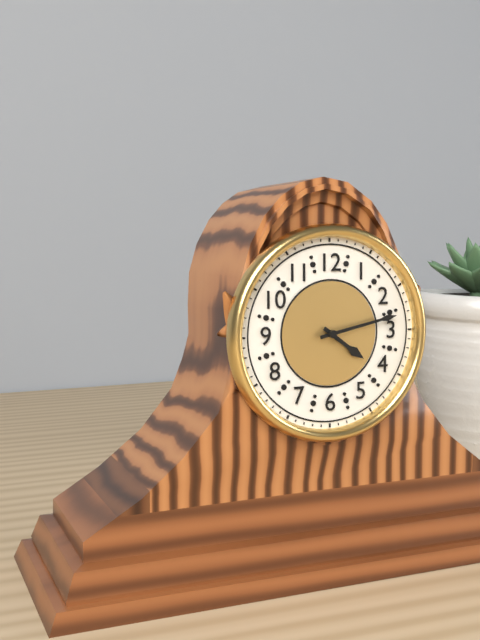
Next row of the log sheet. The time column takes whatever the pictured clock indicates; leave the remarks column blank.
4:13
